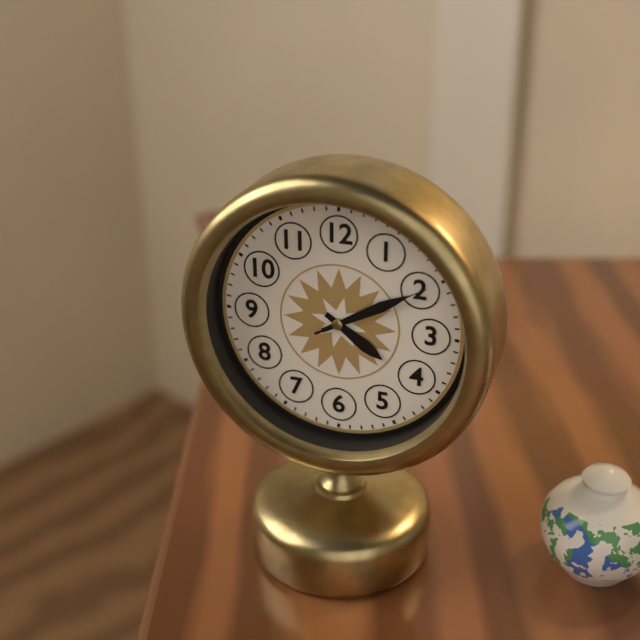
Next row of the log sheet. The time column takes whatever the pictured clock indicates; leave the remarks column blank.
4:10:10
